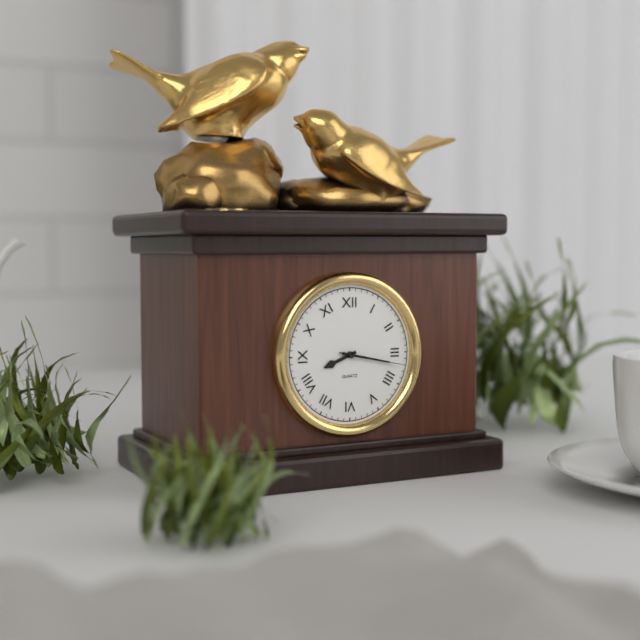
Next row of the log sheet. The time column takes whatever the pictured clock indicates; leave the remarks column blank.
8:17:17
